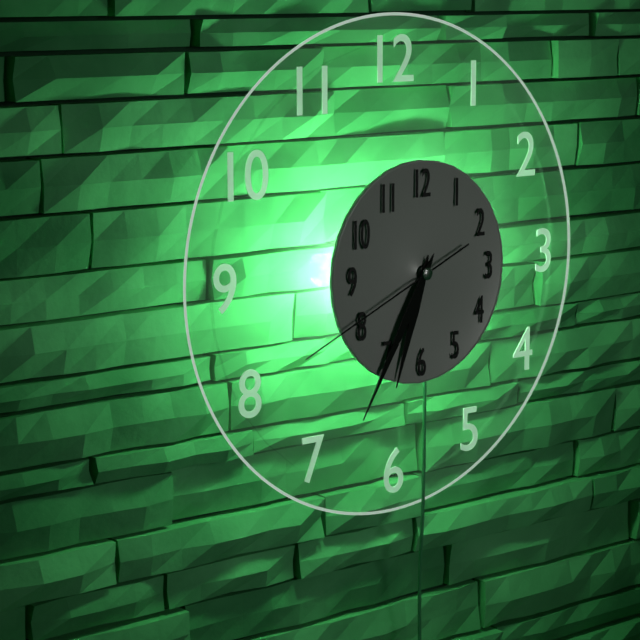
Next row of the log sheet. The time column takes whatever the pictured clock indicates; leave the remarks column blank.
6:35:41
